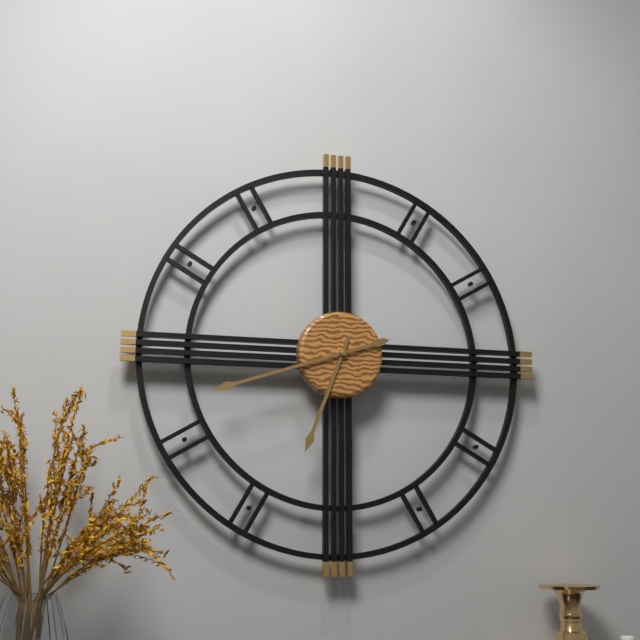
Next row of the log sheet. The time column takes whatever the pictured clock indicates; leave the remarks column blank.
6:42
